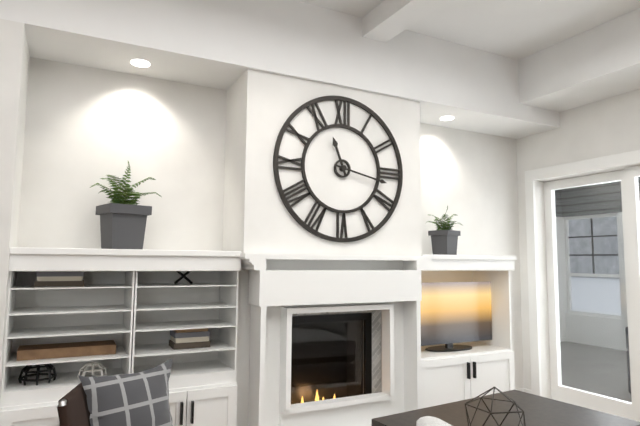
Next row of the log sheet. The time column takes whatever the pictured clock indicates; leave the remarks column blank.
11:17
